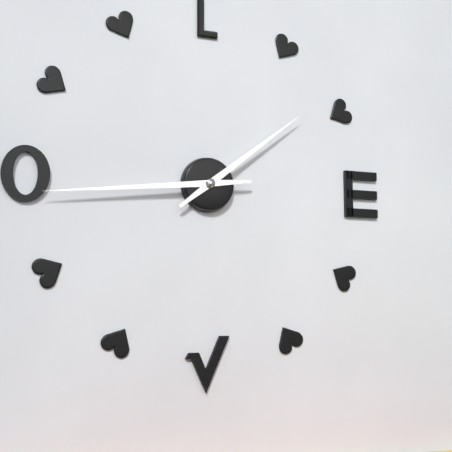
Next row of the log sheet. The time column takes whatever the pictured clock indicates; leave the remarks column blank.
1:44
